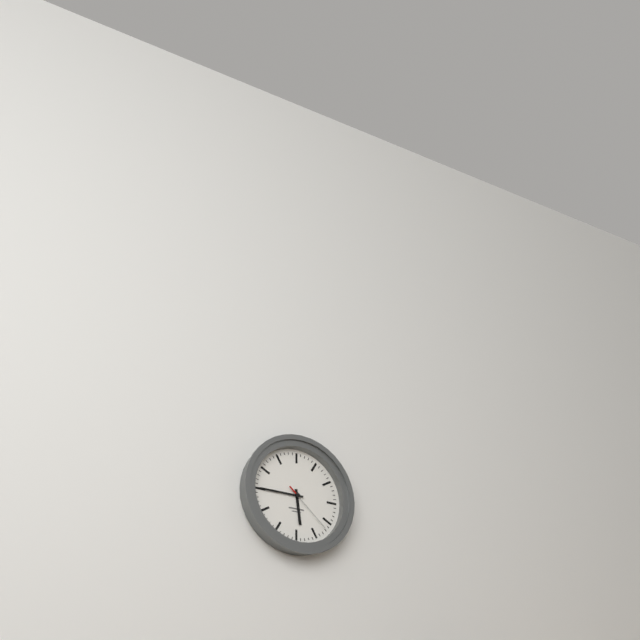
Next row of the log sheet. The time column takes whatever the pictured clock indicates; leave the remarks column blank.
5:45:22
